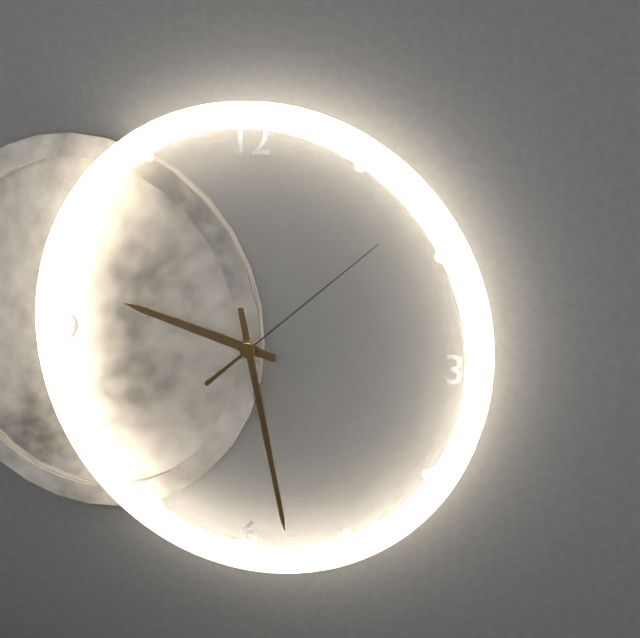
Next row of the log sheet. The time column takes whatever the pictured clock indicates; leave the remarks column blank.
9:28:08
